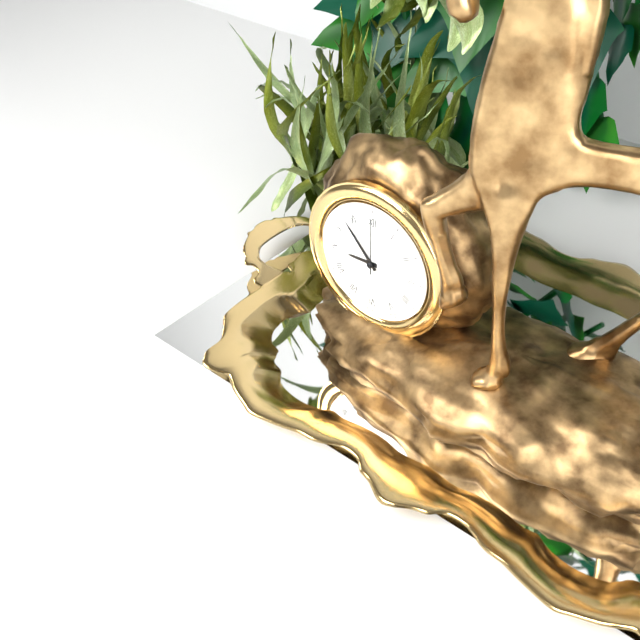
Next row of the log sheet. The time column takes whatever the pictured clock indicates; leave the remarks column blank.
8:53:00
